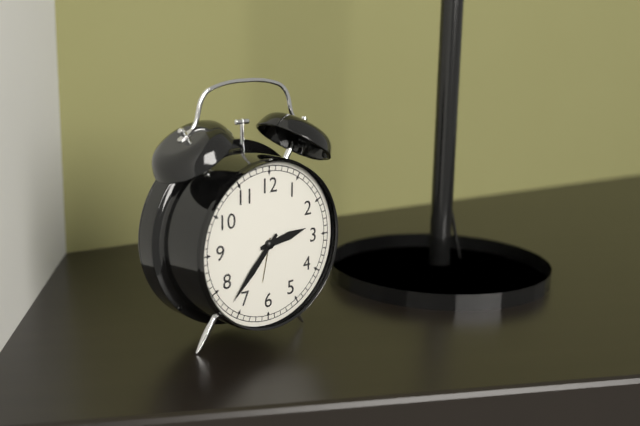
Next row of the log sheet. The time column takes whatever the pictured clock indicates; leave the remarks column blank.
2:37
